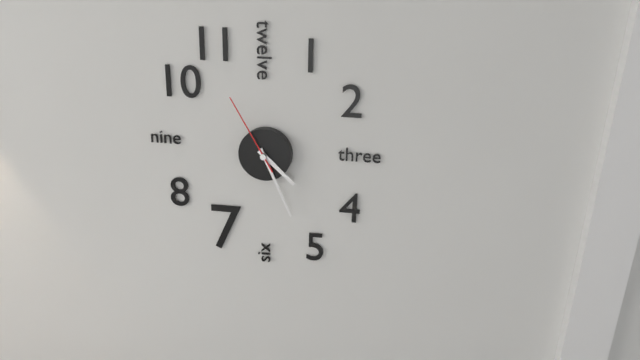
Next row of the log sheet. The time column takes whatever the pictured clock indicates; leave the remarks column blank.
4:26:55
